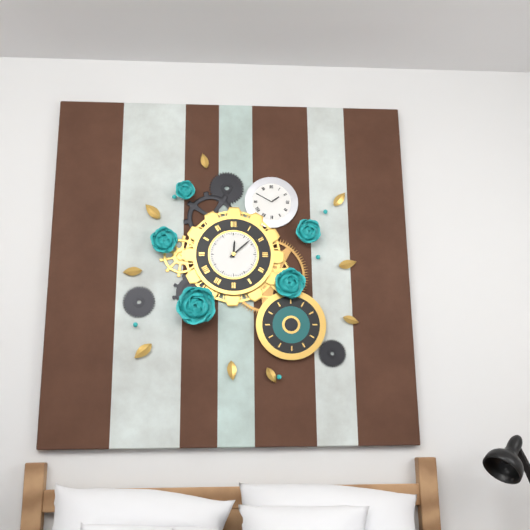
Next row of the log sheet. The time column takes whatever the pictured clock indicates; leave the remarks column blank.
12:08
